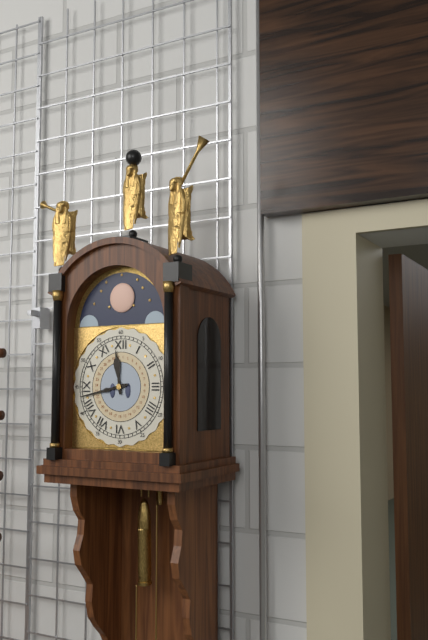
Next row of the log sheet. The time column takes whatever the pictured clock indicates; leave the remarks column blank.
11:43
